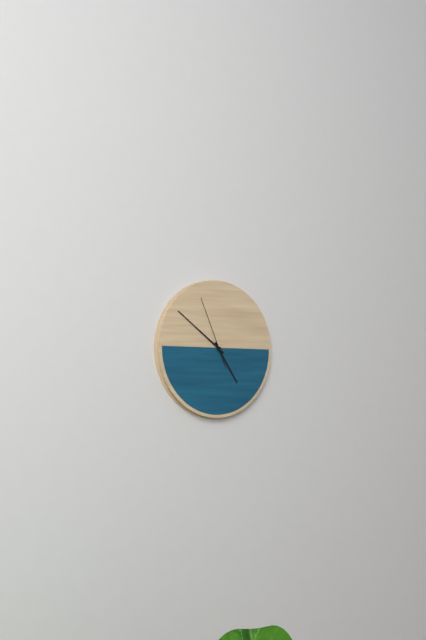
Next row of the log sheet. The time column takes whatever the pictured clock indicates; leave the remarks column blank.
4:51:56
